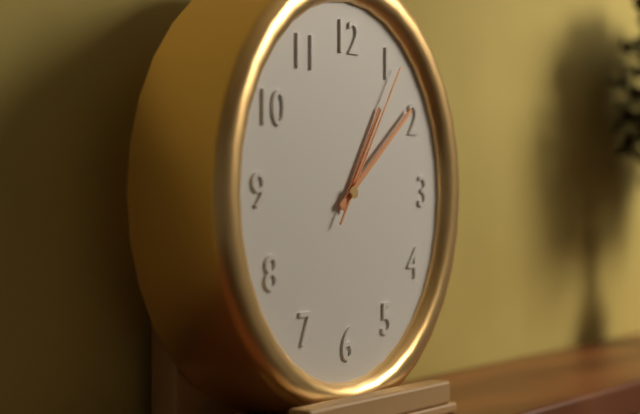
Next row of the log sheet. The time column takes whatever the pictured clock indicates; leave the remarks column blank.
1:09:06
